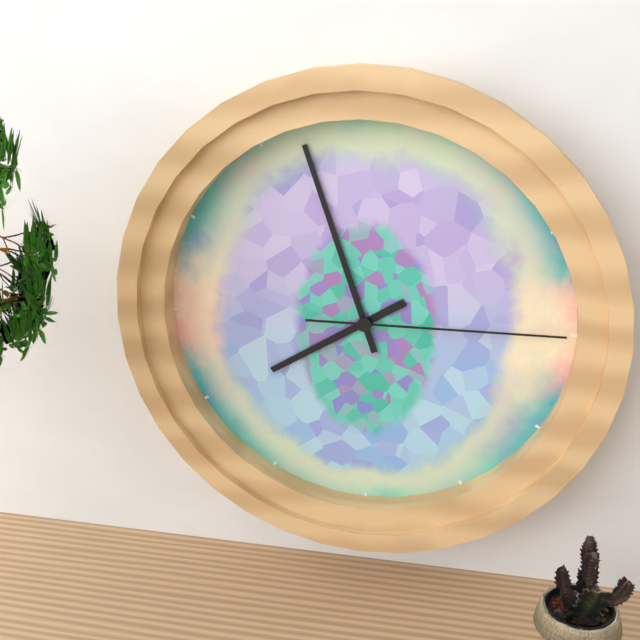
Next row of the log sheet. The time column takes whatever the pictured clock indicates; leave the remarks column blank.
7:57:15
